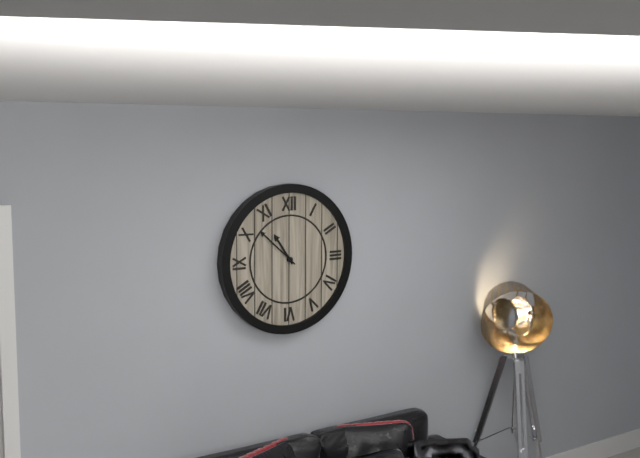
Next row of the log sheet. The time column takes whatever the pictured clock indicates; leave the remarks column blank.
10:52
